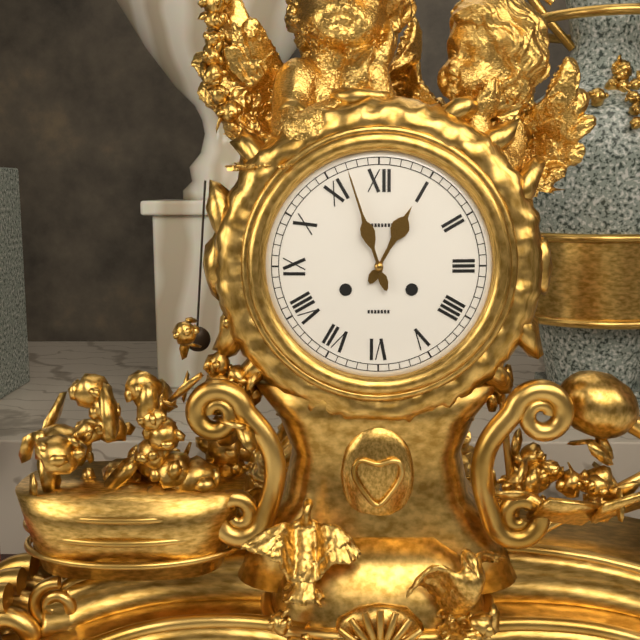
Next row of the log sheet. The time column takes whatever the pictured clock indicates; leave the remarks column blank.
12:57
